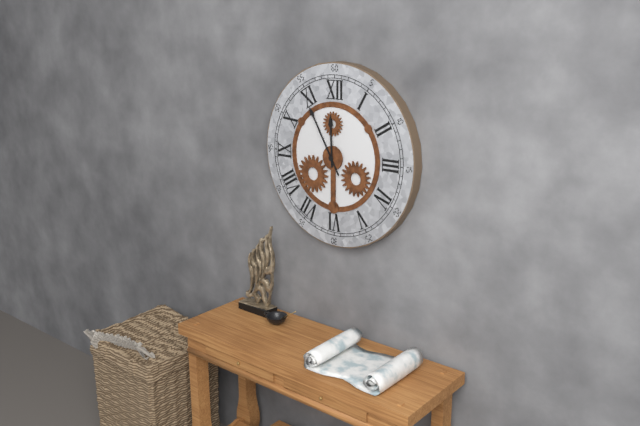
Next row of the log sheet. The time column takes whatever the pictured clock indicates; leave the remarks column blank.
11:55
